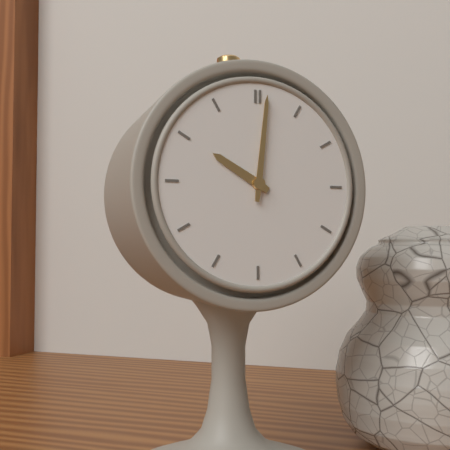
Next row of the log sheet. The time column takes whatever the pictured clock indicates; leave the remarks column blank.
10:01
